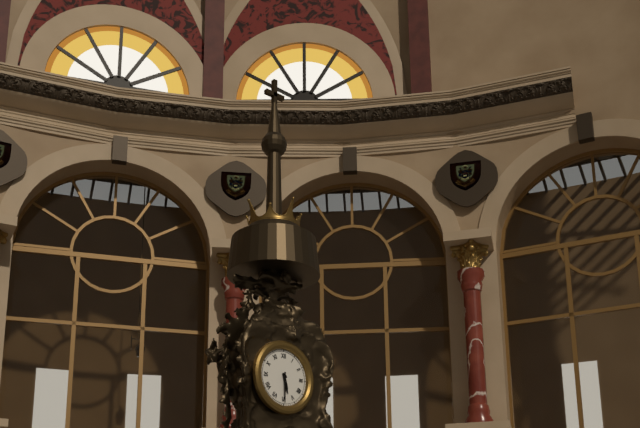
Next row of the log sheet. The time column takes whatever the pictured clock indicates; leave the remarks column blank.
5:30
